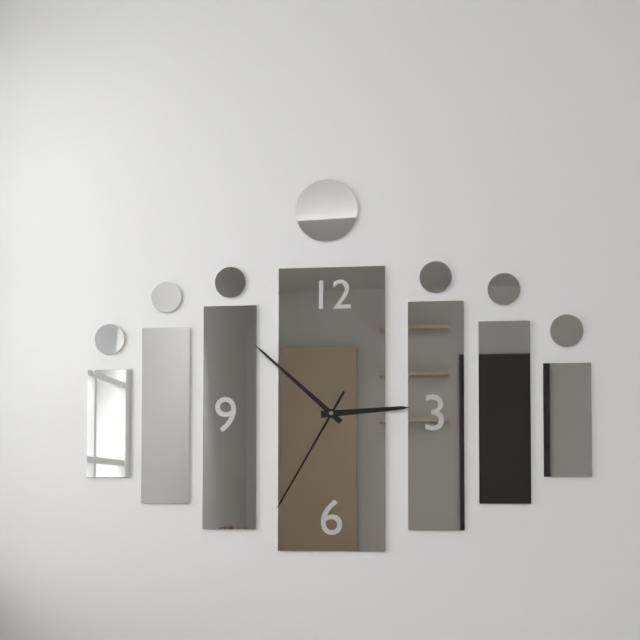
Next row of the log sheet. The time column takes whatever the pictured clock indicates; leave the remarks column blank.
2:52:35
